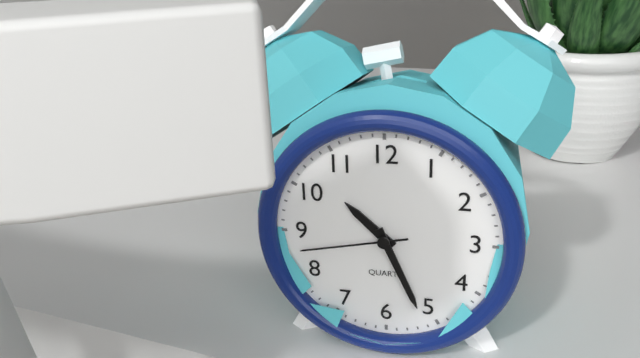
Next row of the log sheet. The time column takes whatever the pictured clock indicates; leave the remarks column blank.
10:26:43
